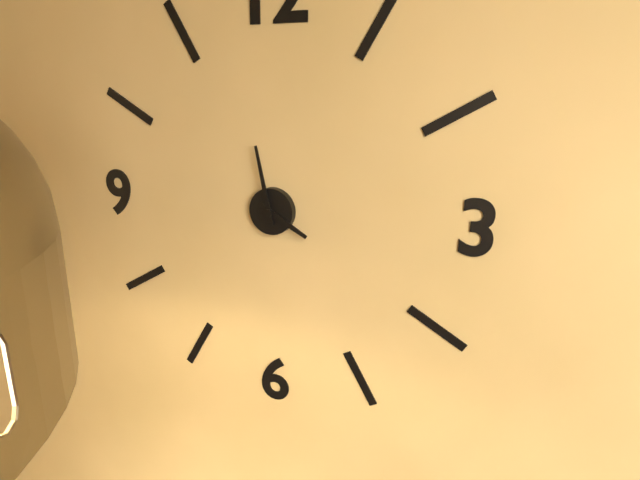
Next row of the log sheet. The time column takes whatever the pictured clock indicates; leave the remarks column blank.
3:58
